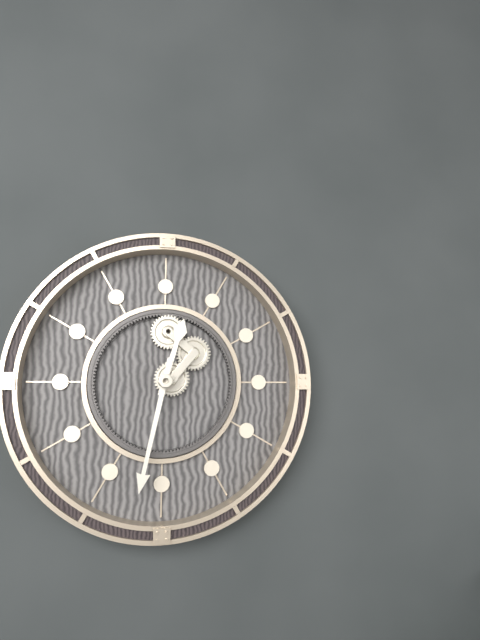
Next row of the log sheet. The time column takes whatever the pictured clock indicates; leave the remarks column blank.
12:32
